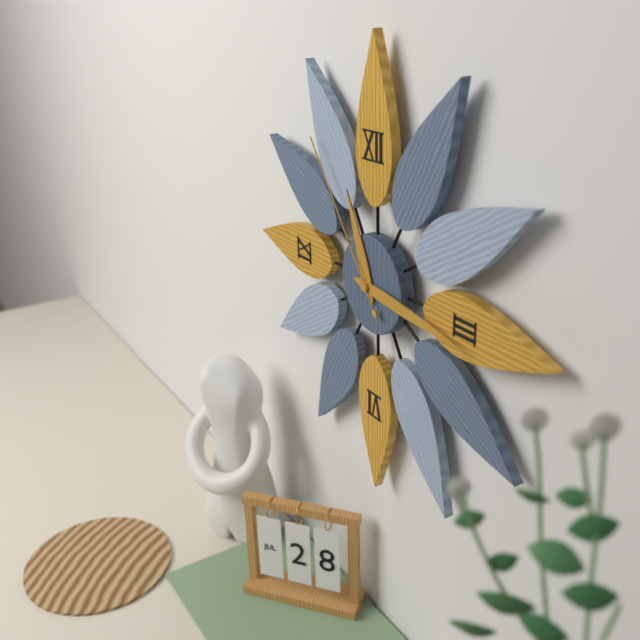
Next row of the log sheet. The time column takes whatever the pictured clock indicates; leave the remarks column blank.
11:16:54
